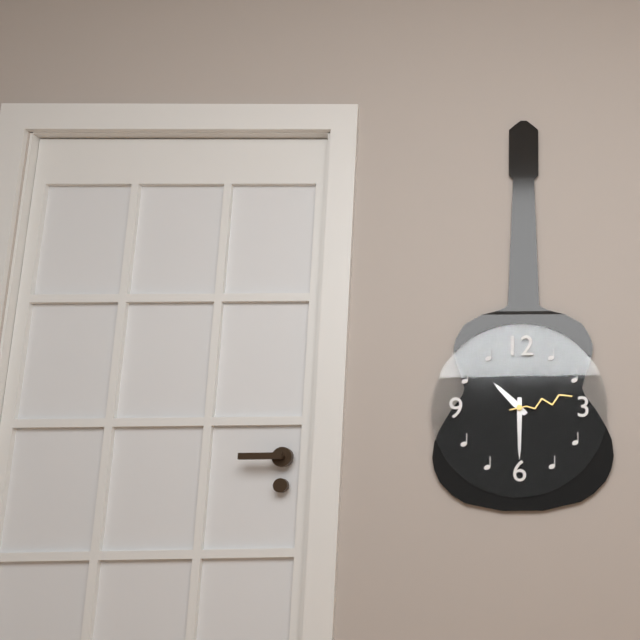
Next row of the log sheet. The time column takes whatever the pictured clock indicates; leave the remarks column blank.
10:30:13
